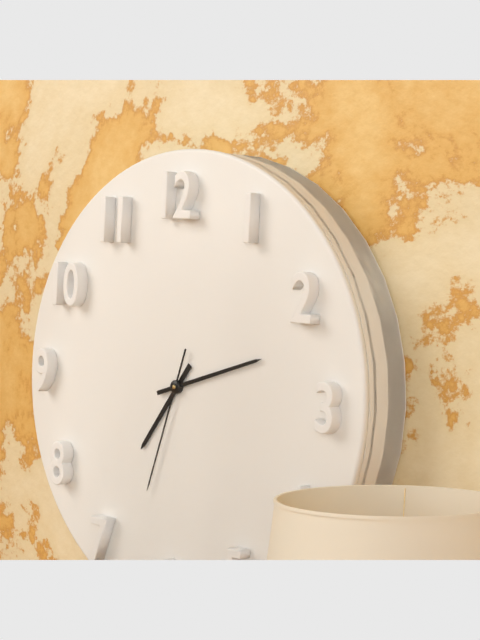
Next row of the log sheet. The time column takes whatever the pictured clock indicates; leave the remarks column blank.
7:12:33
